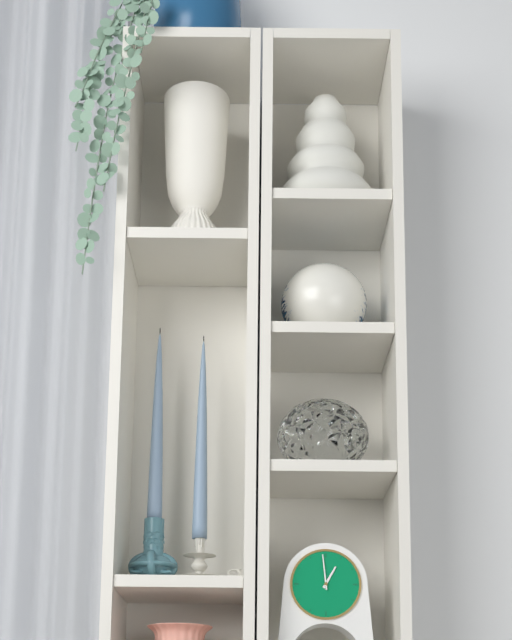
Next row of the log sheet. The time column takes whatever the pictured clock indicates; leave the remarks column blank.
12:59
